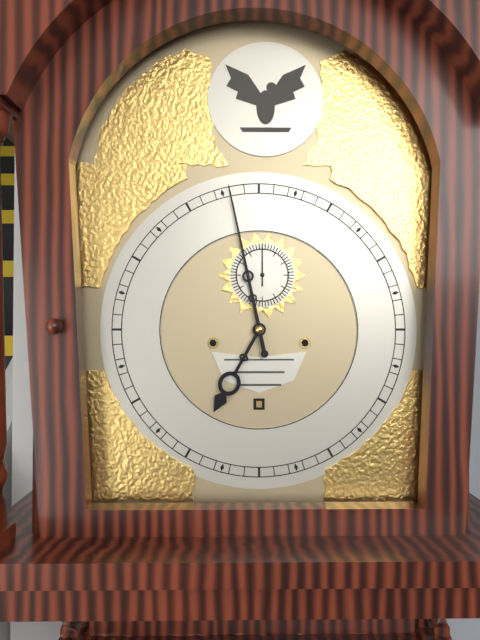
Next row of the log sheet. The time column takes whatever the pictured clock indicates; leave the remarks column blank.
6:58
